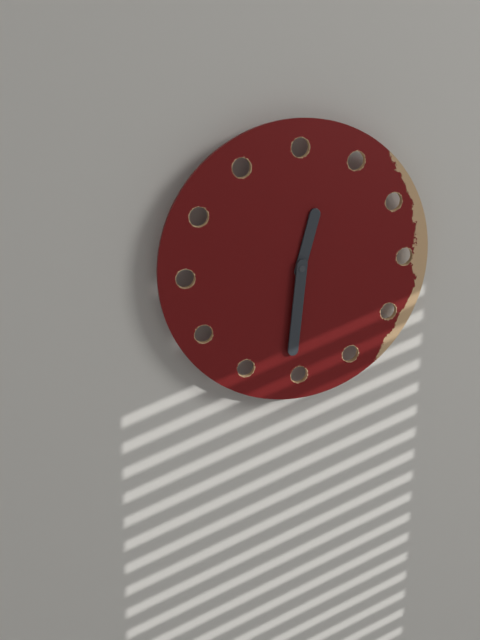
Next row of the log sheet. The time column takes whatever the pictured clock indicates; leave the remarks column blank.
12:31
